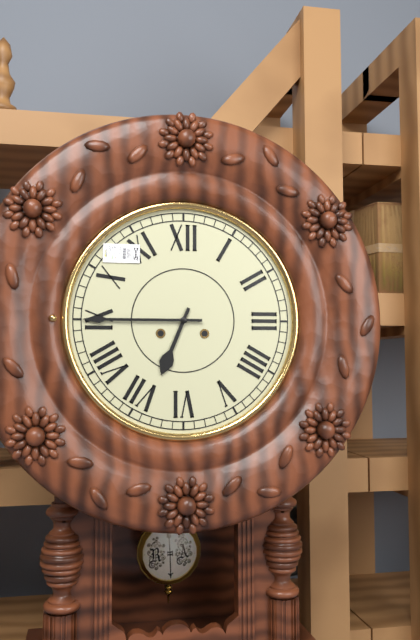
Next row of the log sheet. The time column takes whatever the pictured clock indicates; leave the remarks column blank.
6:45
